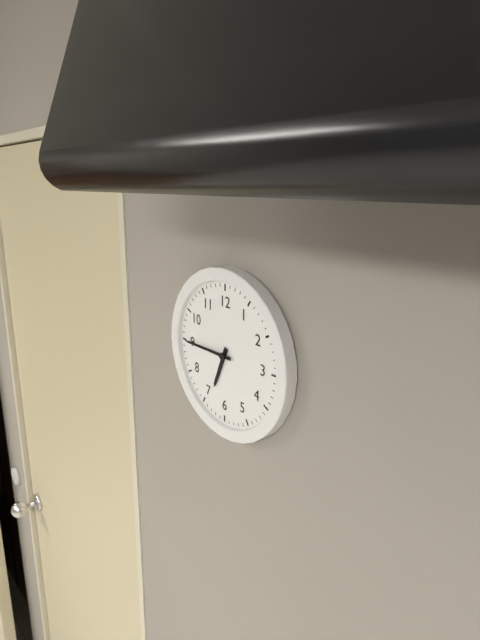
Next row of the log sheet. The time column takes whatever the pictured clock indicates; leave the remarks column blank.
6:45
